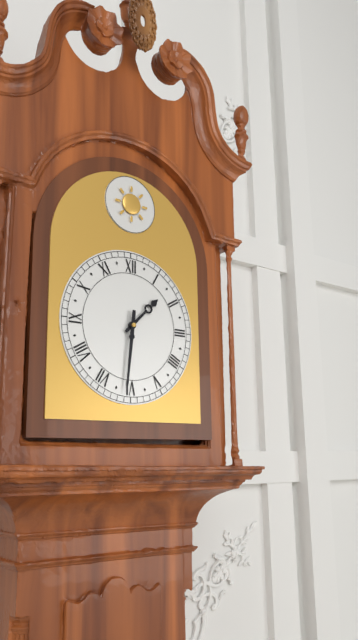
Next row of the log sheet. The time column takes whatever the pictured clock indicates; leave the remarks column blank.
1:31
